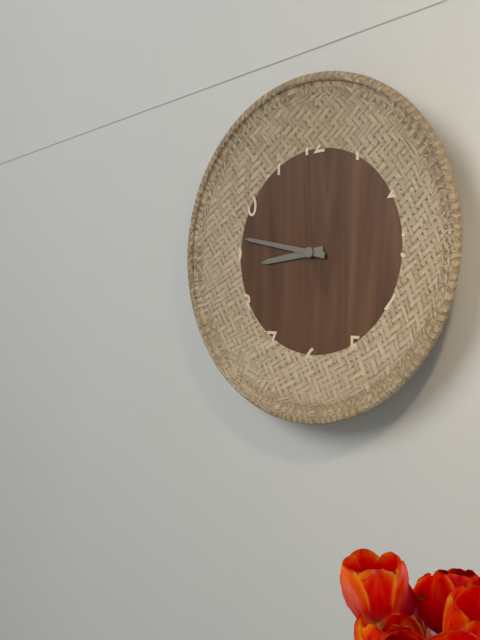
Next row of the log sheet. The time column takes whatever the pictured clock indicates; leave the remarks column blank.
8:47
